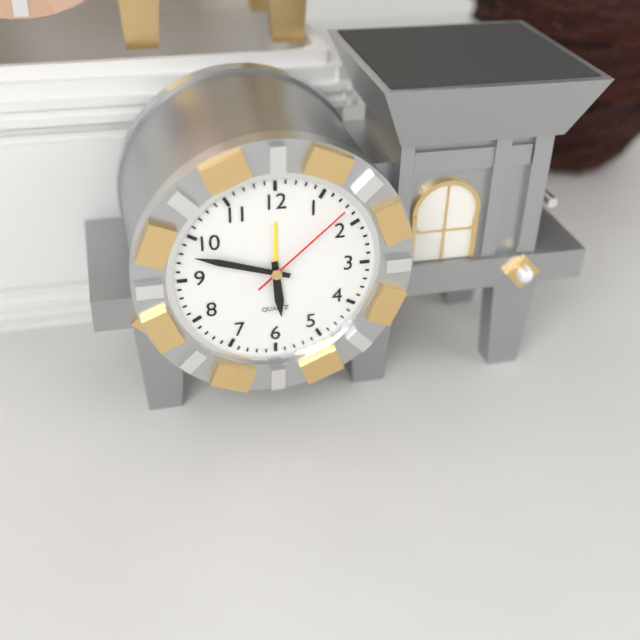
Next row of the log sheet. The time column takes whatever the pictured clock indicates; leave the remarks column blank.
5:48:08
